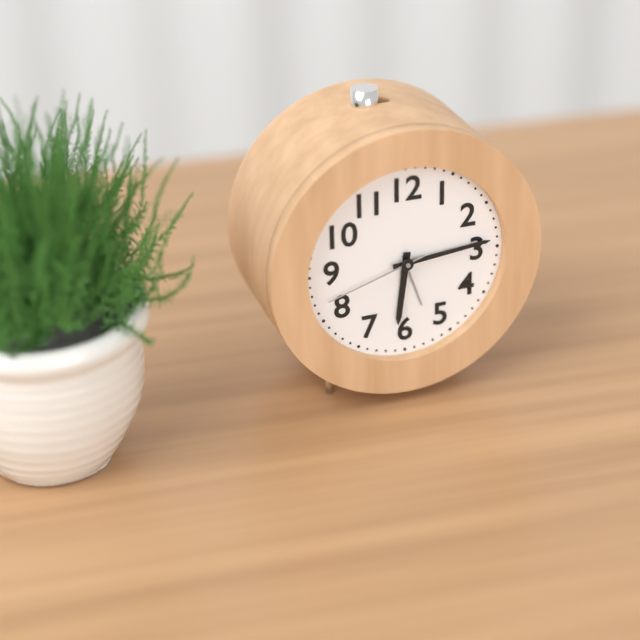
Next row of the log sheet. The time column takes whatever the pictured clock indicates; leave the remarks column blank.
6:14:42
